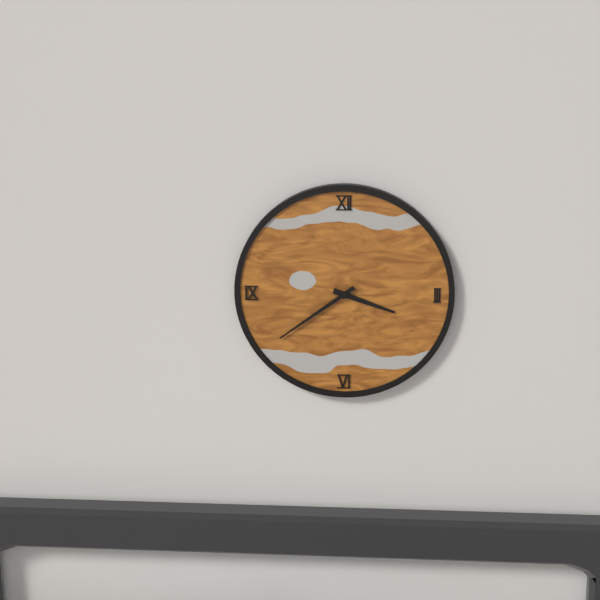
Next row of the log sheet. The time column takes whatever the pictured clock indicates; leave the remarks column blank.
3:39
